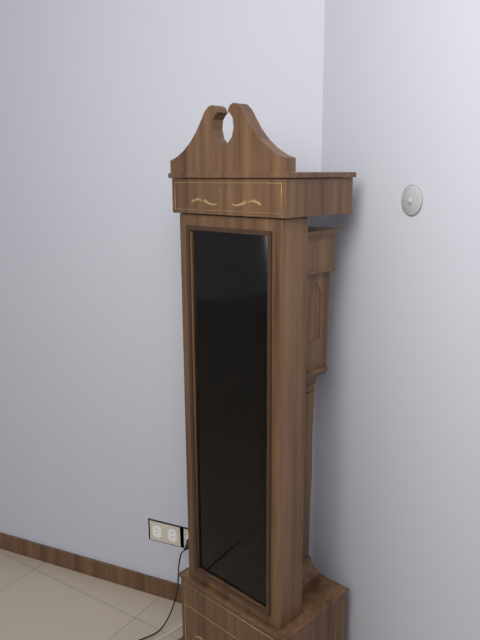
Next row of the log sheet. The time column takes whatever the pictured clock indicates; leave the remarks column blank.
8:58
